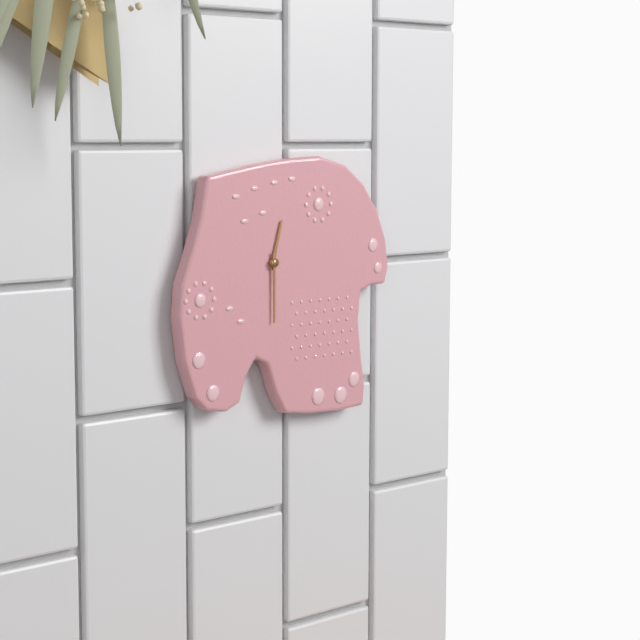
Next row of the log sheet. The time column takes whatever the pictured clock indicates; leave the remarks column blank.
12:30
